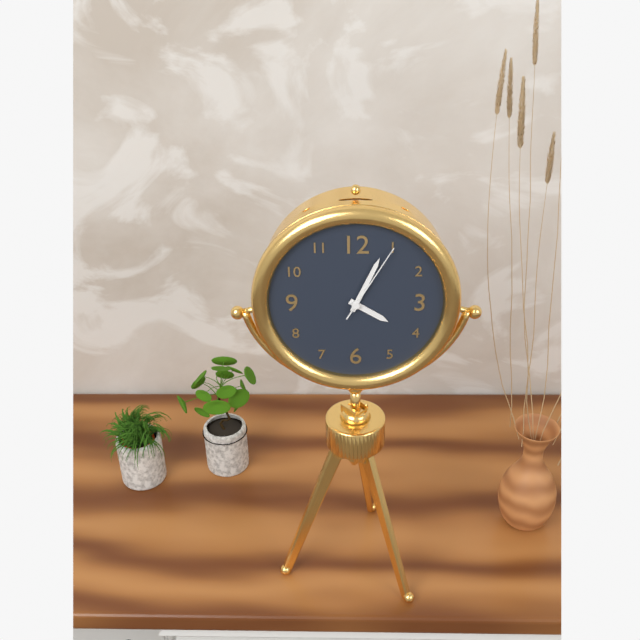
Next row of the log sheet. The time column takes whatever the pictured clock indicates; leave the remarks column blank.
4:04:05
